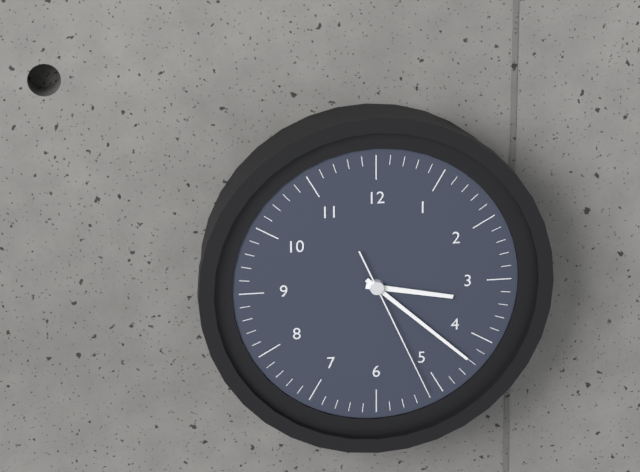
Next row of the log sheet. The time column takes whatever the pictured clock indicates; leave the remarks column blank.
3:22:26
